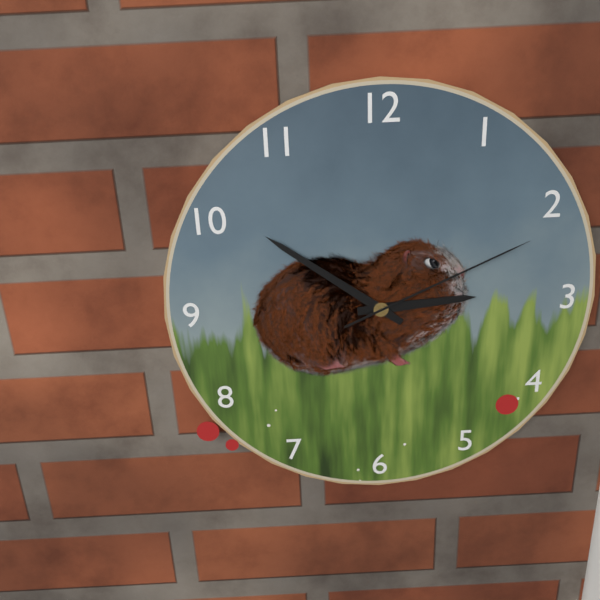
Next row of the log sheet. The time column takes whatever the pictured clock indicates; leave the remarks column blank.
2:51:11
